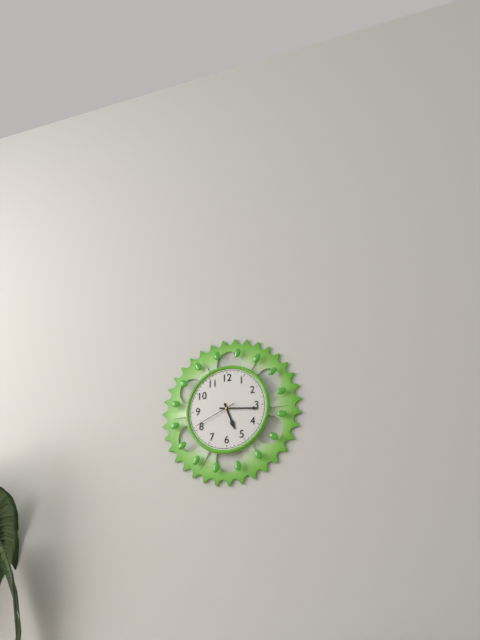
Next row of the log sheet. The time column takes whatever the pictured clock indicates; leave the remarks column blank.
5:16
